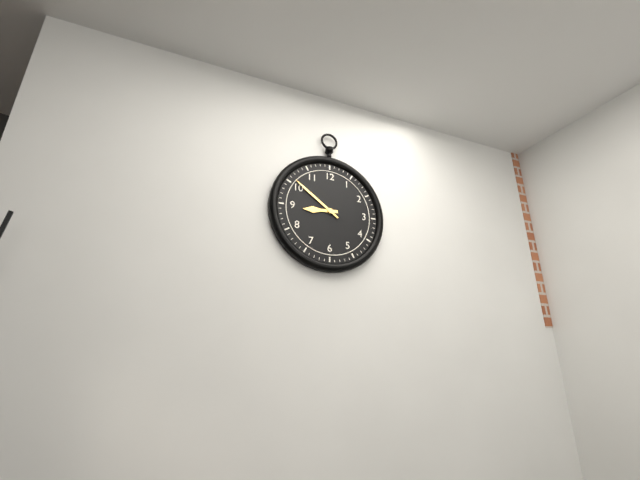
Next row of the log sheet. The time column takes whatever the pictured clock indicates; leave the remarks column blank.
8:51
